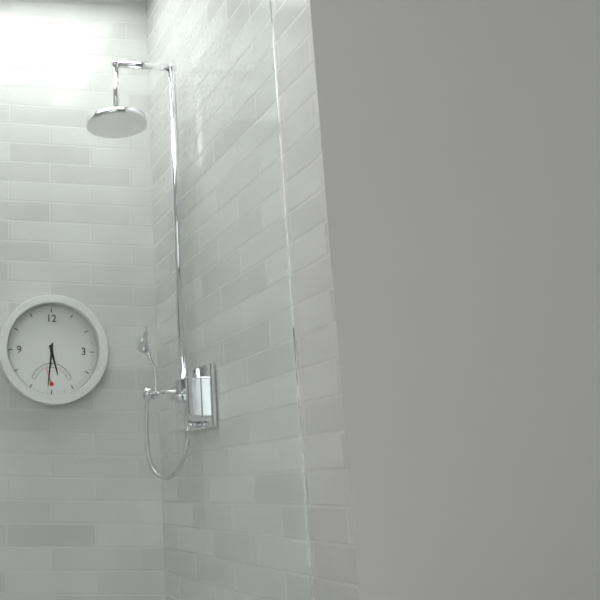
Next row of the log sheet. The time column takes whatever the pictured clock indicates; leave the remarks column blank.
5:31
